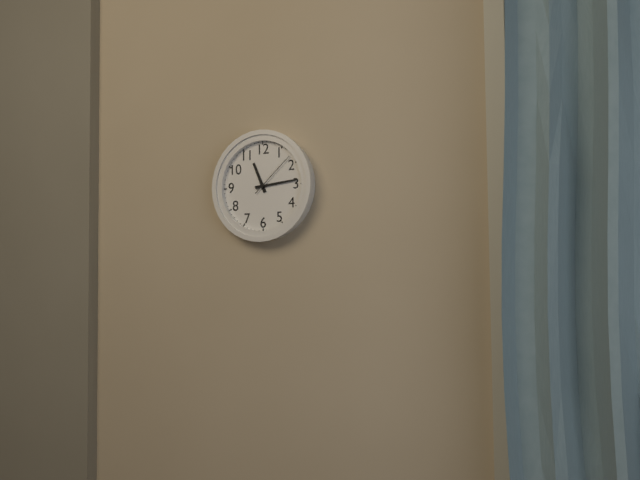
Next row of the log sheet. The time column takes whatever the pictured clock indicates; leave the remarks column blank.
11:14:08
